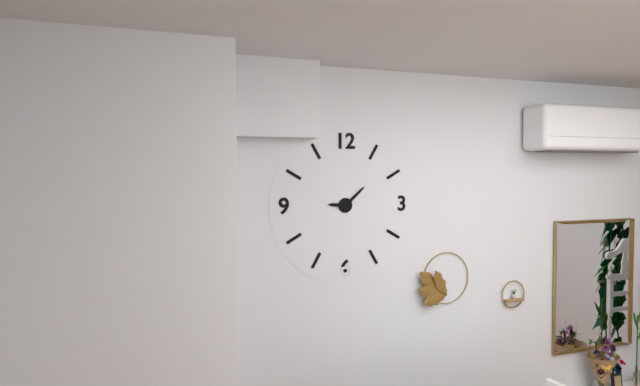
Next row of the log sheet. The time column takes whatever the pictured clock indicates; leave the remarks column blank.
9:08
